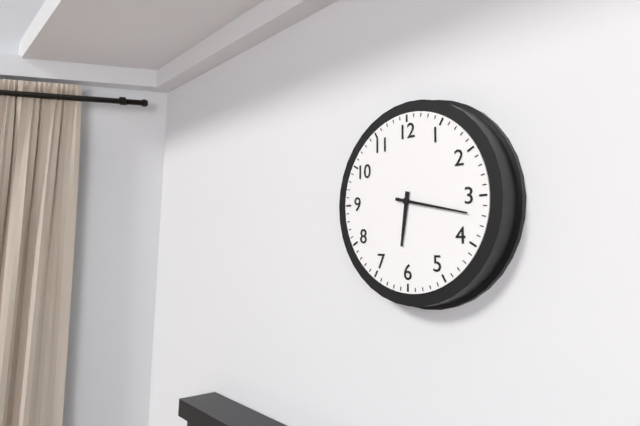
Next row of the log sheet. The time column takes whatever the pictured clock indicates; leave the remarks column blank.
6:17
